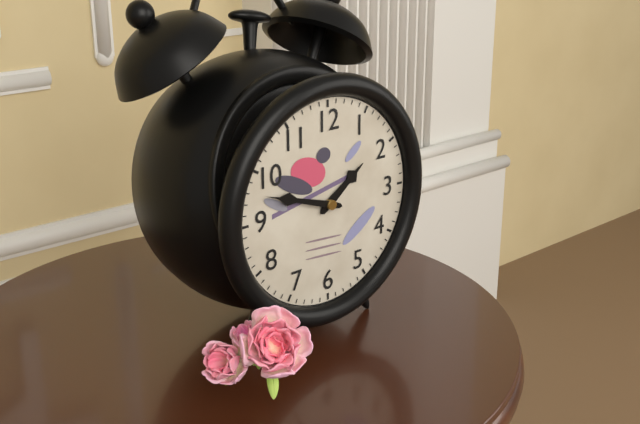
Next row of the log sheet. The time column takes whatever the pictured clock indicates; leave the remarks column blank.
1:48
